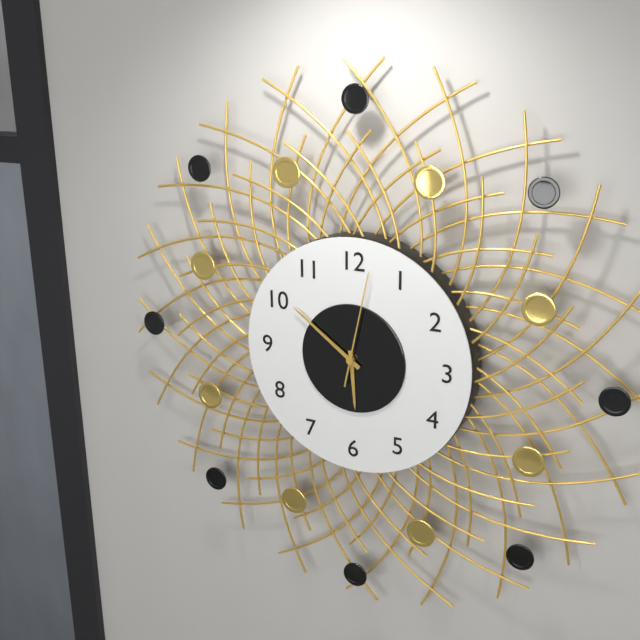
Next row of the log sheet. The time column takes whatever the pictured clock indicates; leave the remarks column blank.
5:51:02
